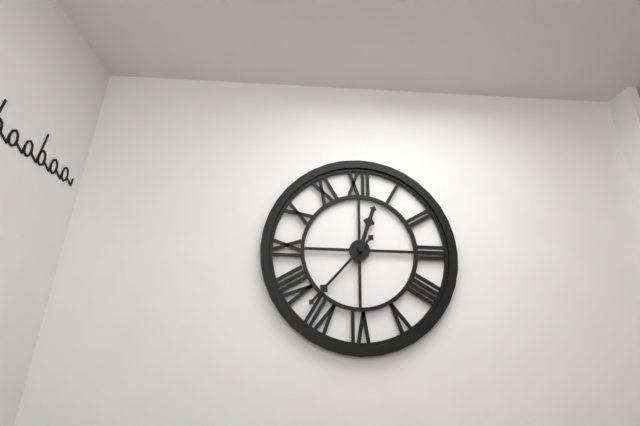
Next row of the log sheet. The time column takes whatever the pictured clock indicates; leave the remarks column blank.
12:37
